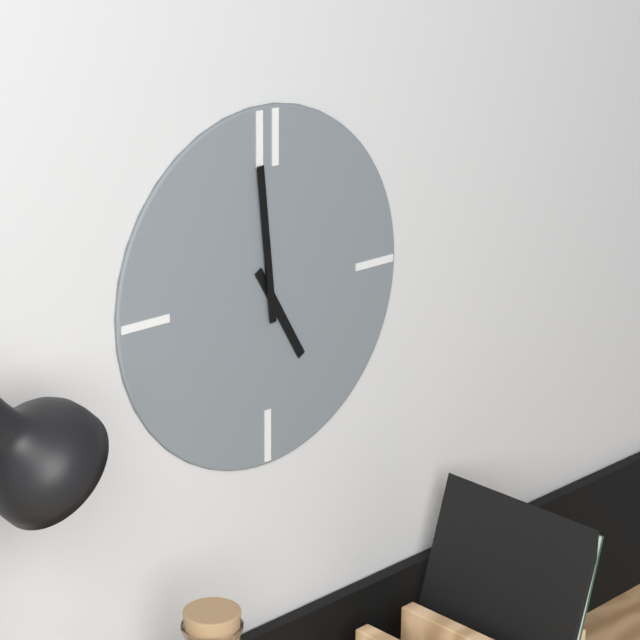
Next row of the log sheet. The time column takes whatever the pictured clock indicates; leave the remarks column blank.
4:59
